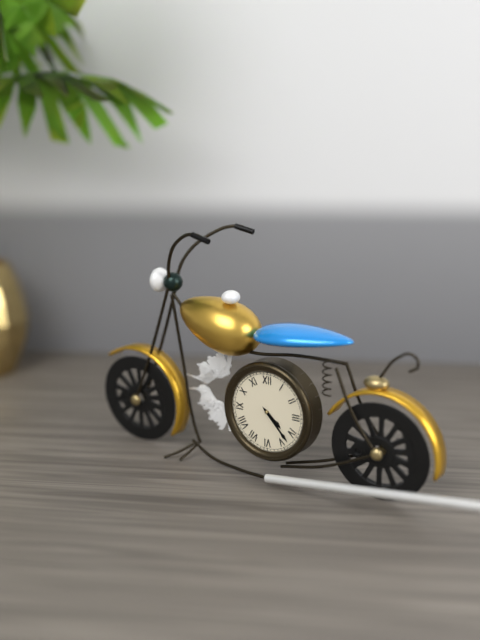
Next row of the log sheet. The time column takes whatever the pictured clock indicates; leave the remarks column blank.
4:23
